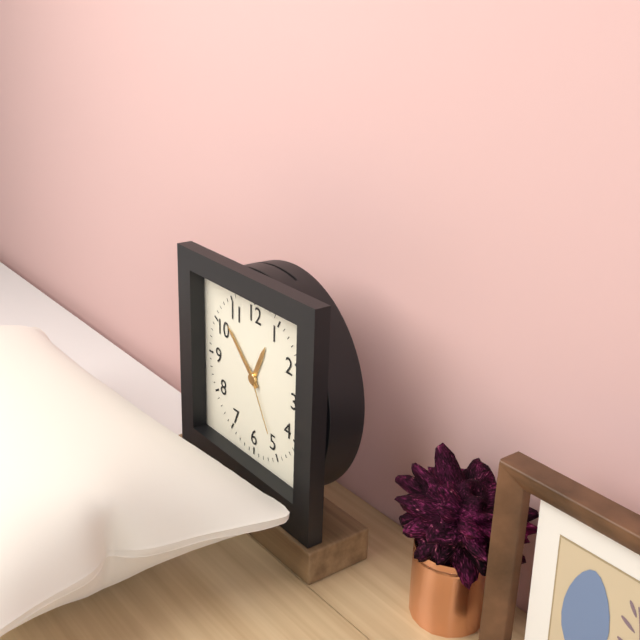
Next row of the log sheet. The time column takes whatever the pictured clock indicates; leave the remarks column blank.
12:52:25
